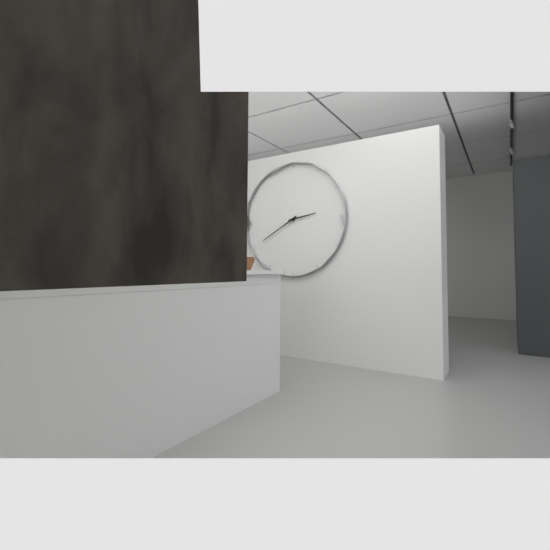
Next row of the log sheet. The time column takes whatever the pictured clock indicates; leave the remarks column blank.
2:40
